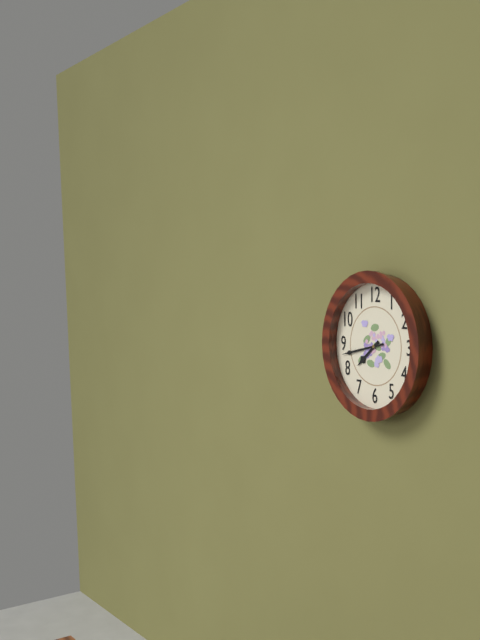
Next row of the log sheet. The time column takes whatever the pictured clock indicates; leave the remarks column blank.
7:43
